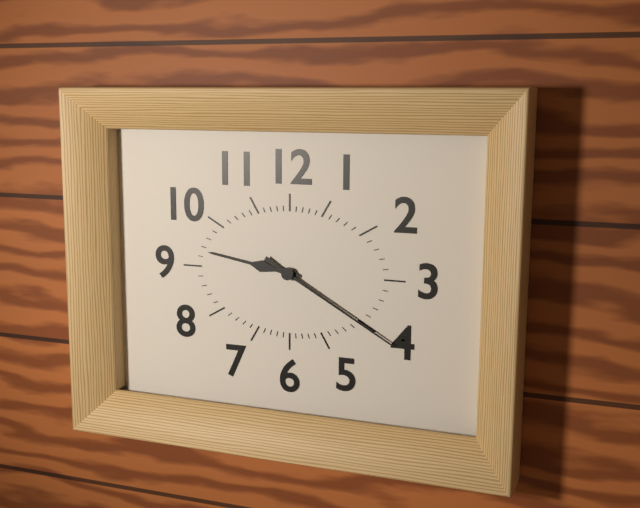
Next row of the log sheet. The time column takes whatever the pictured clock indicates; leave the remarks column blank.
9:20
